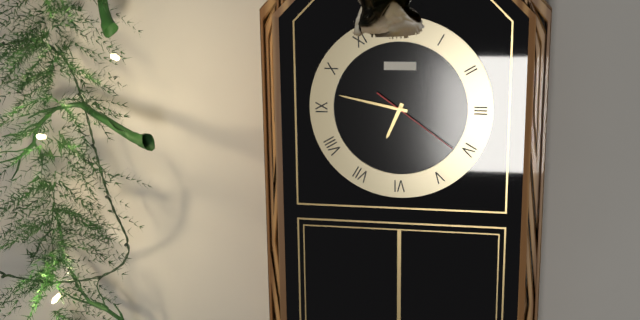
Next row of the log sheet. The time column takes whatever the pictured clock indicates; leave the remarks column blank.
6:47:21
